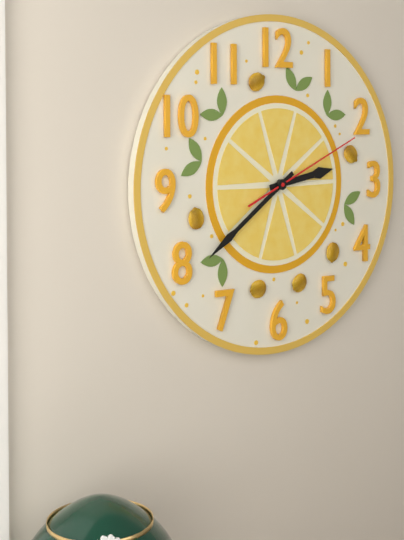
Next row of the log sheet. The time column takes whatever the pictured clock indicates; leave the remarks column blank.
2:39:11
